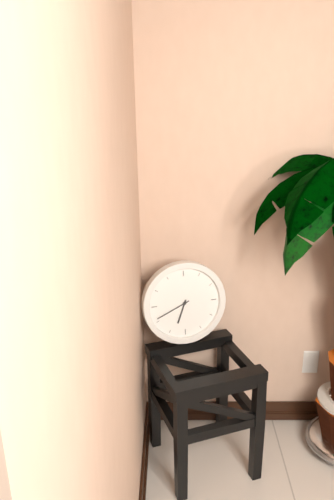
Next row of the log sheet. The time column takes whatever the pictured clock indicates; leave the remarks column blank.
6:41
